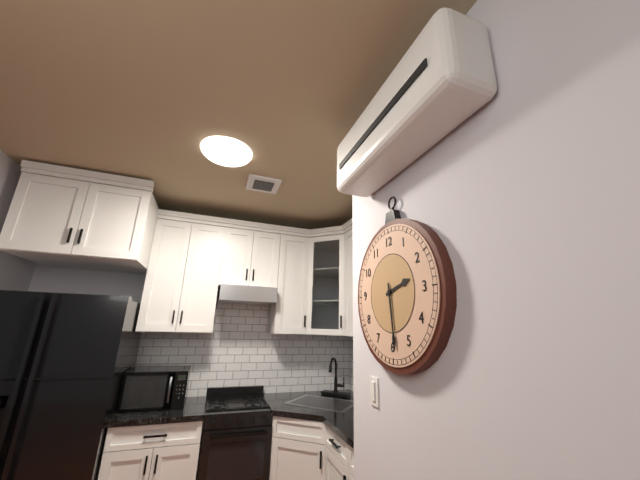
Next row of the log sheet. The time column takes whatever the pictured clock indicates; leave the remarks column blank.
2:29
